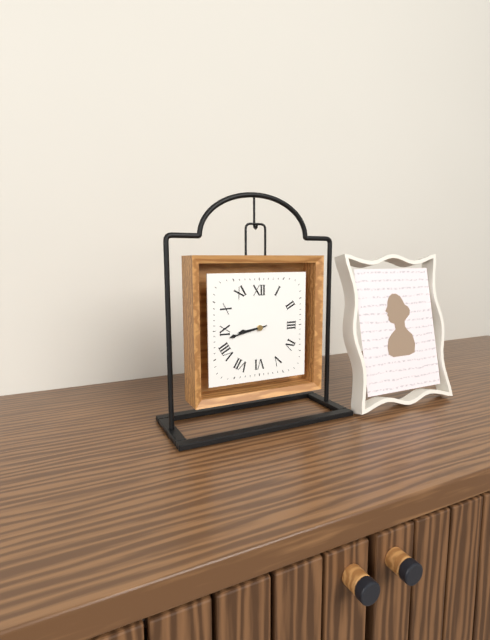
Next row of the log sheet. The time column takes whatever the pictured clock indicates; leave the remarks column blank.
8:43
